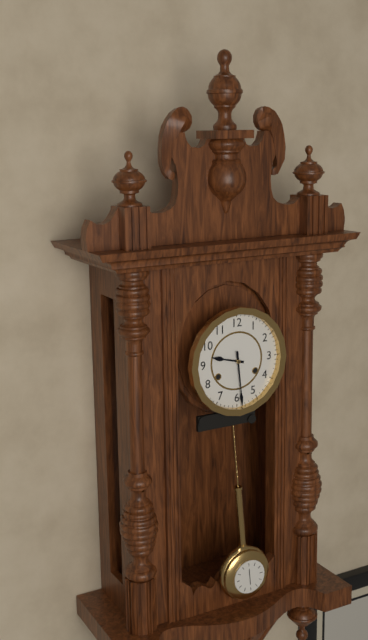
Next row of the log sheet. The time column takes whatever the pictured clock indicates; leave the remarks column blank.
9:29
